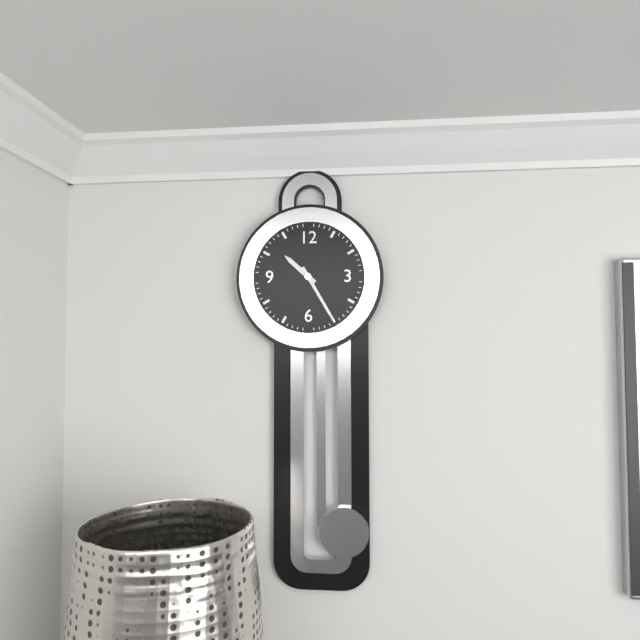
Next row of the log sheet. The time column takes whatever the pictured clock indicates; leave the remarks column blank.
10:25
